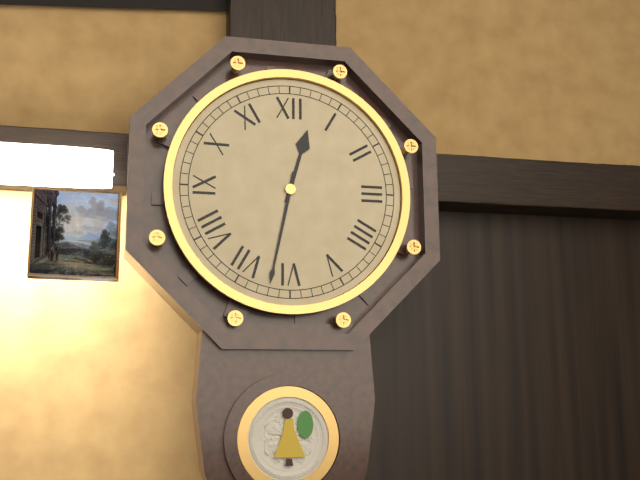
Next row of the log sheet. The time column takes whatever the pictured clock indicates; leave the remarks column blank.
12:32
